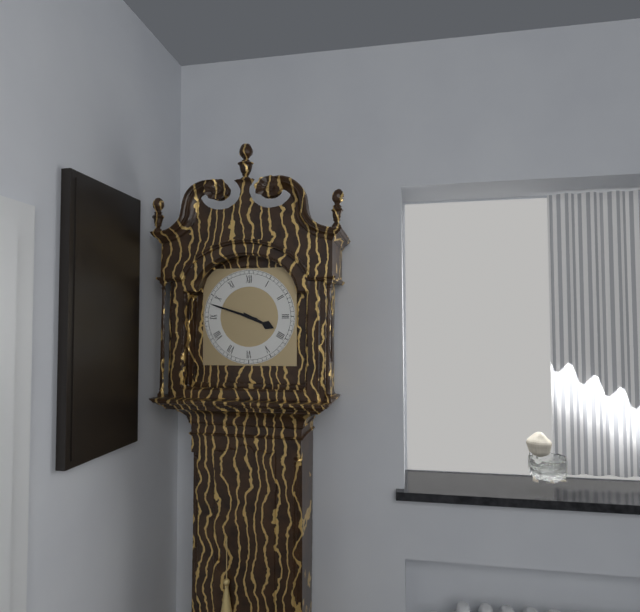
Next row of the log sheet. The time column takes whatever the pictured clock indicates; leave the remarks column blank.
3:48
